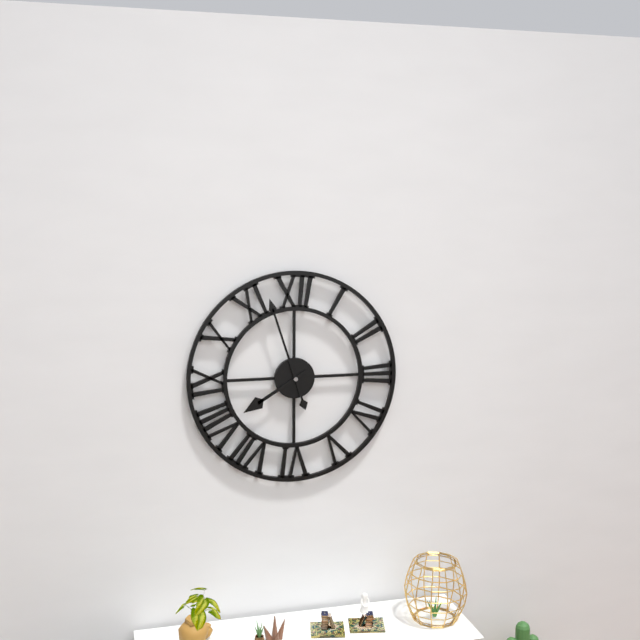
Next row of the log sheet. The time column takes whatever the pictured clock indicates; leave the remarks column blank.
7:57
